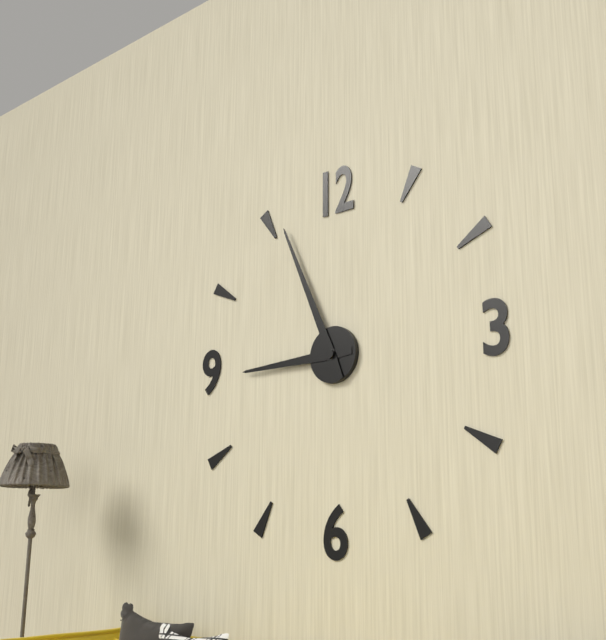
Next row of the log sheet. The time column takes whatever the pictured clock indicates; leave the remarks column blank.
8:56
